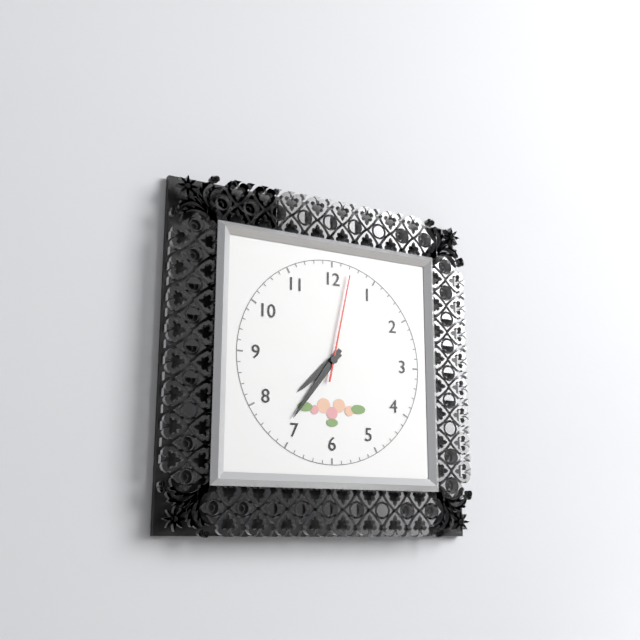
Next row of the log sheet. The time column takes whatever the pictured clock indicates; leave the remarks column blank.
7:36:02
